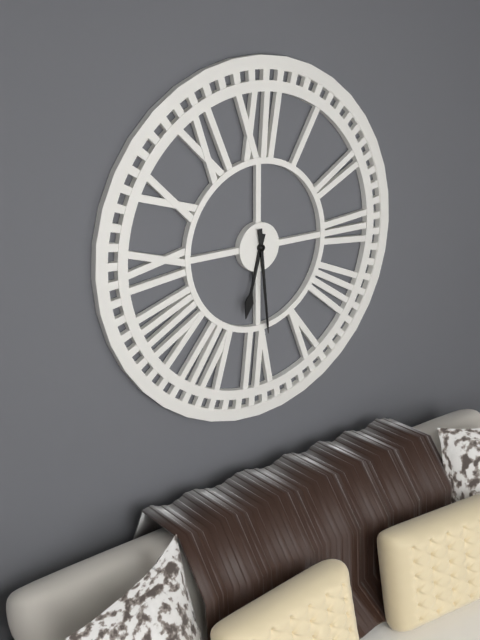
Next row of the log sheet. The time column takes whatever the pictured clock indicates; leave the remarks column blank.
6:29
